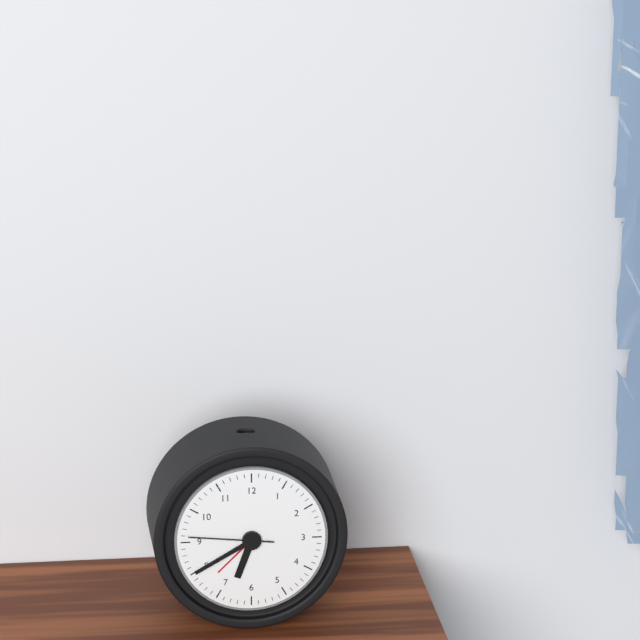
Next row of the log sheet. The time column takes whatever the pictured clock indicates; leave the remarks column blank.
6:40:46
